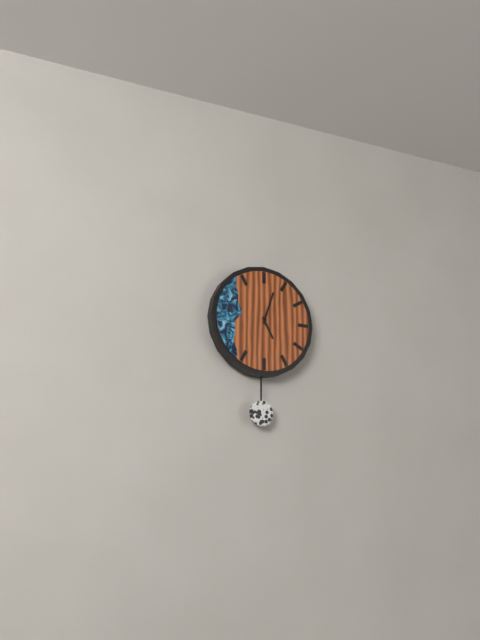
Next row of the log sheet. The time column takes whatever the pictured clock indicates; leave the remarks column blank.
5:03
